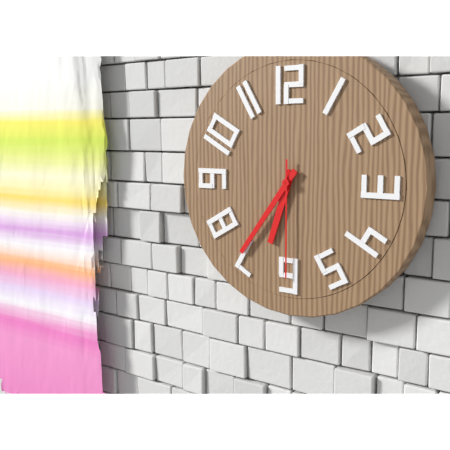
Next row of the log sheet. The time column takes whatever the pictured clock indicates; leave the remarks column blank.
6:36:30
